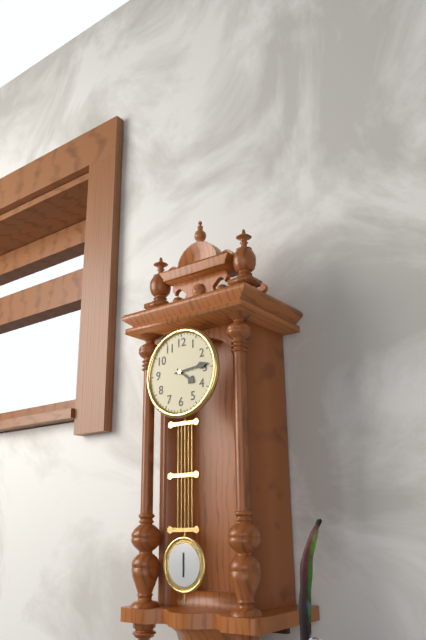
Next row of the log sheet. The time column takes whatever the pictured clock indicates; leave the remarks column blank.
4:14
